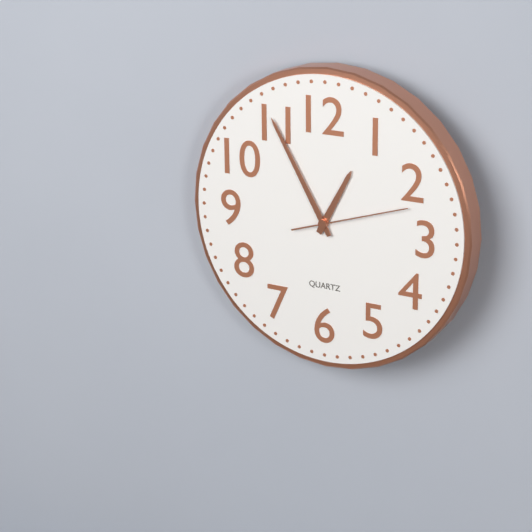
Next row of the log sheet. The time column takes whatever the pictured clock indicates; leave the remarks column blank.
12:55:12
